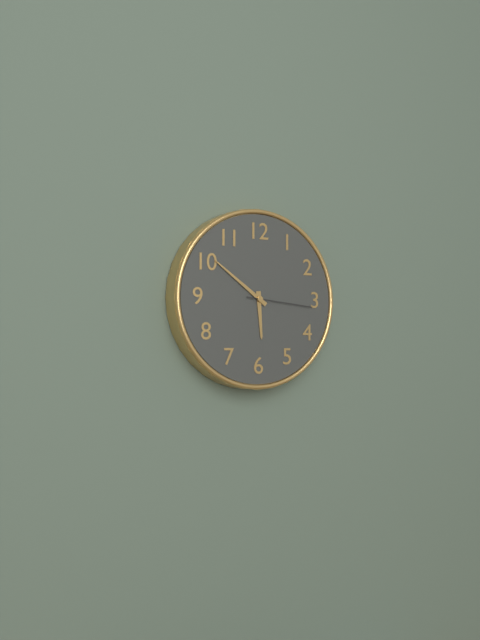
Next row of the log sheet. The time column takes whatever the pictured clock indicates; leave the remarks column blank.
5:51:16
